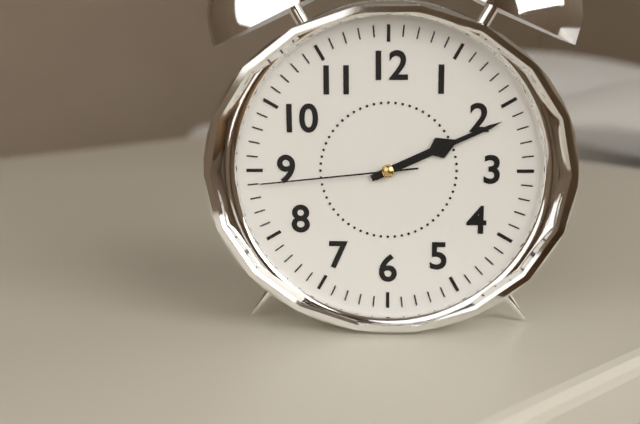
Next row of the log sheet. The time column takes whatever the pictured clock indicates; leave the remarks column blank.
2:11:44
